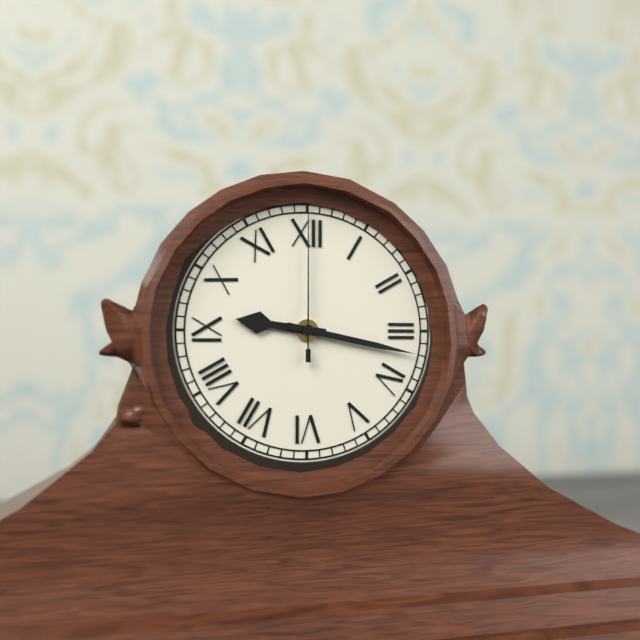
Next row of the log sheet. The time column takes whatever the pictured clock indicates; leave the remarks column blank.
9:17:00
